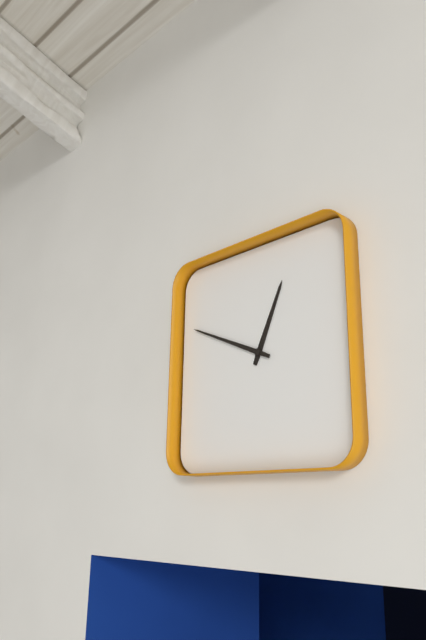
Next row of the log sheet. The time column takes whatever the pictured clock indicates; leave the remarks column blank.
12:49
